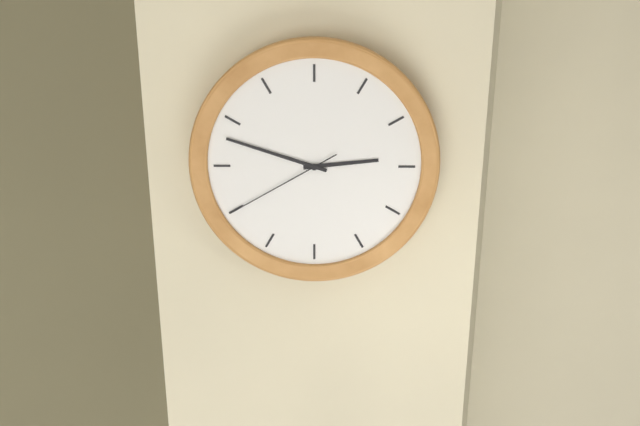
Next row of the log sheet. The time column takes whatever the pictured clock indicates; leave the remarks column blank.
2:48:40
